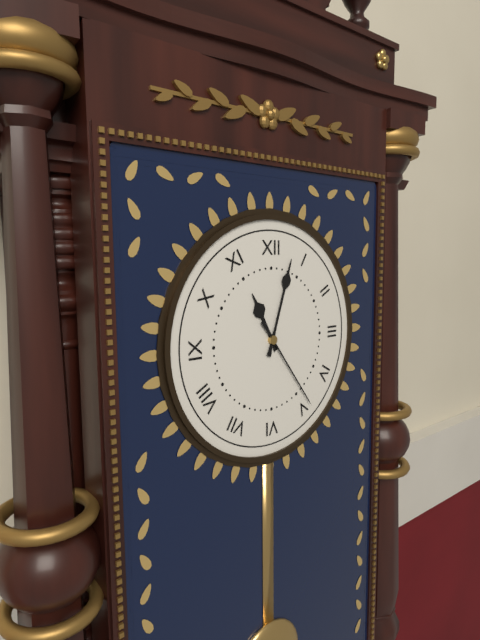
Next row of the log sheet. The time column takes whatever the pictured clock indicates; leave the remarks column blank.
11:03:24
